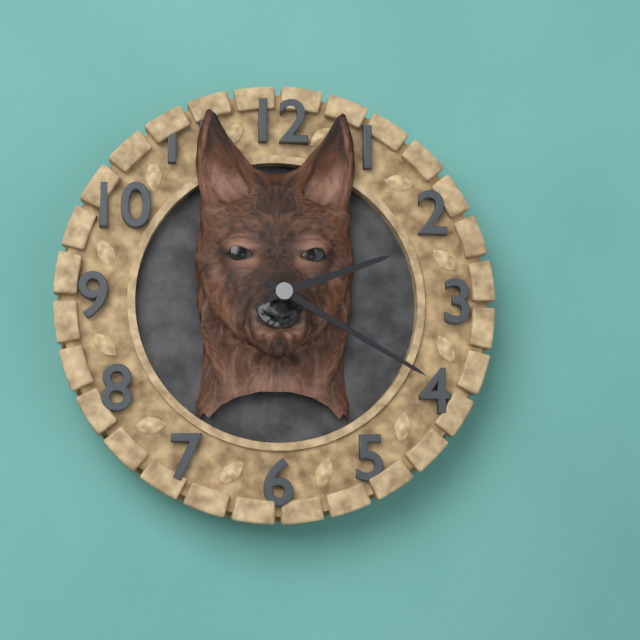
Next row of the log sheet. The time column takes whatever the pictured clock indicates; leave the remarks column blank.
2:20
